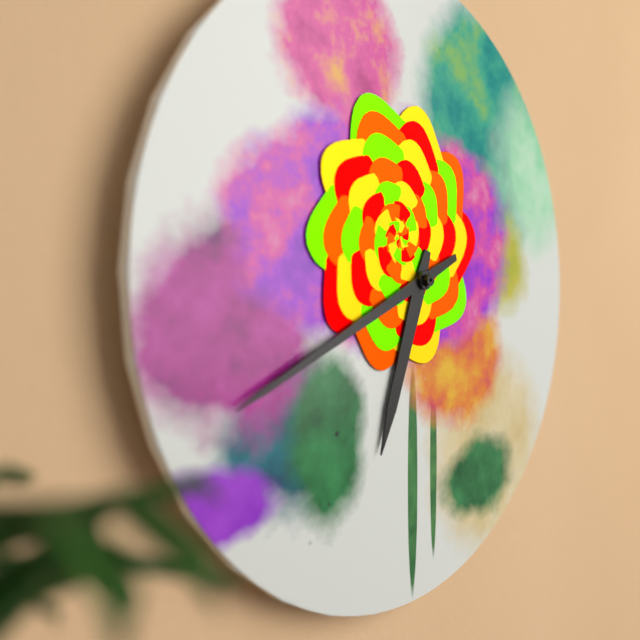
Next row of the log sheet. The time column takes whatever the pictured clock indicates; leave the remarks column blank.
6:41
